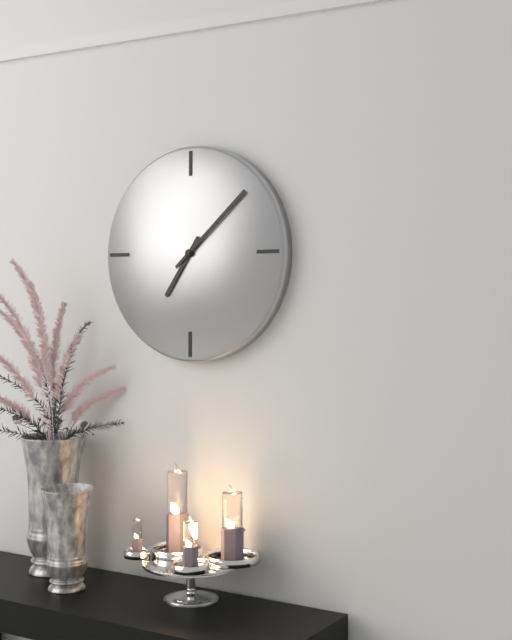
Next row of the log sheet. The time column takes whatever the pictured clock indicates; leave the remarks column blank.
7:08
